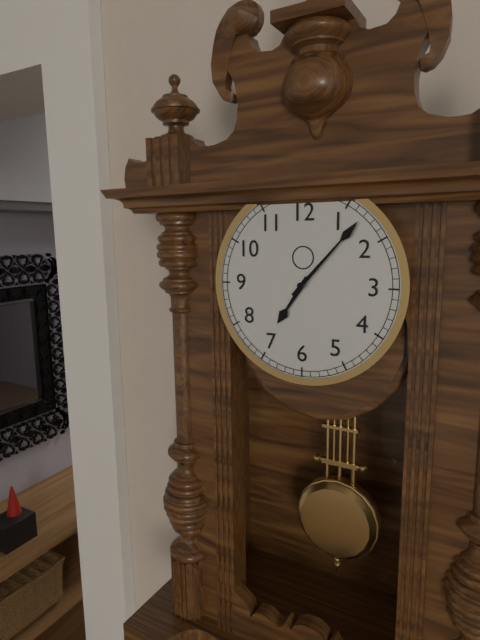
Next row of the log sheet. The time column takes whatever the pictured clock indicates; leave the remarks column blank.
7:07
